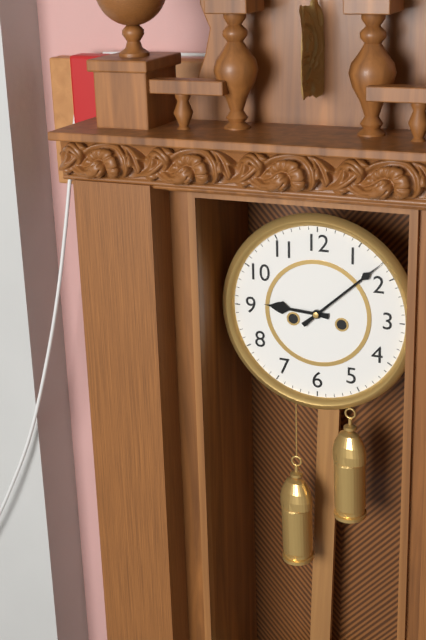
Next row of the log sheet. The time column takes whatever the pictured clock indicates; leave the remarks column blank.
9:08
